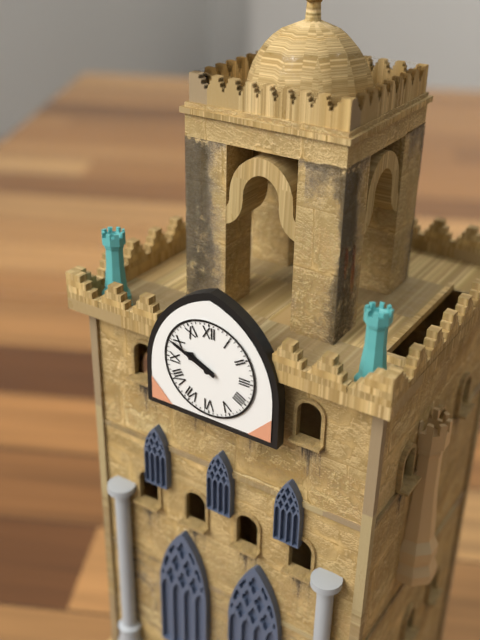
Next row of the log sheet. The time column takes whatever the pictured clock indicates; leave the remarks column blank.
9:49
